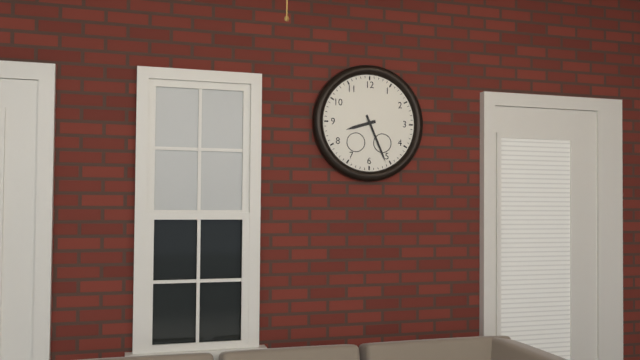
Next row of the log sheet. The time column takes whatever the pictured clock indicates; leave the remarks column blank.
8:26
